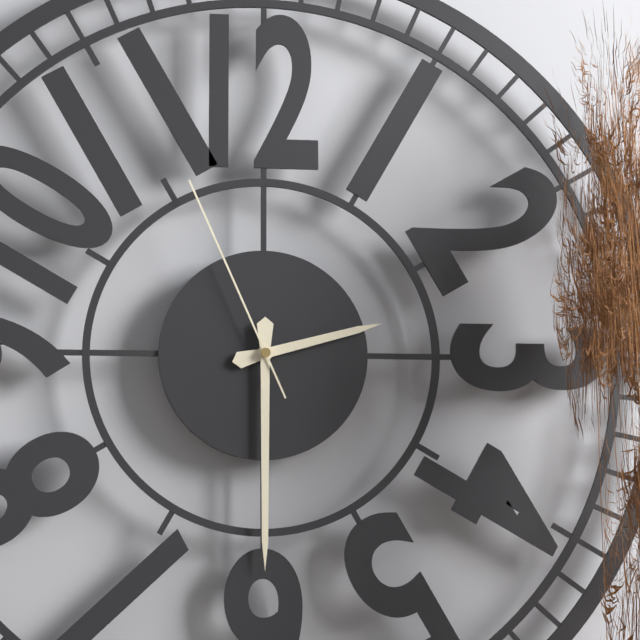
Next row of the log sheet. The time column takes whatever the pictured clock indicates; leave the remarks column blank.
2:30:56
